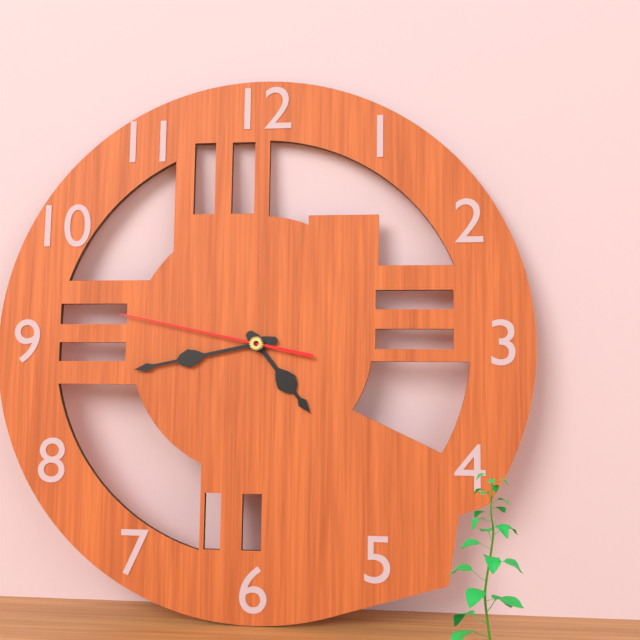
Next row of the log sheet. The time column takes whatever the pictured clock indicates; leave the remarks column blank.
4:43:47
